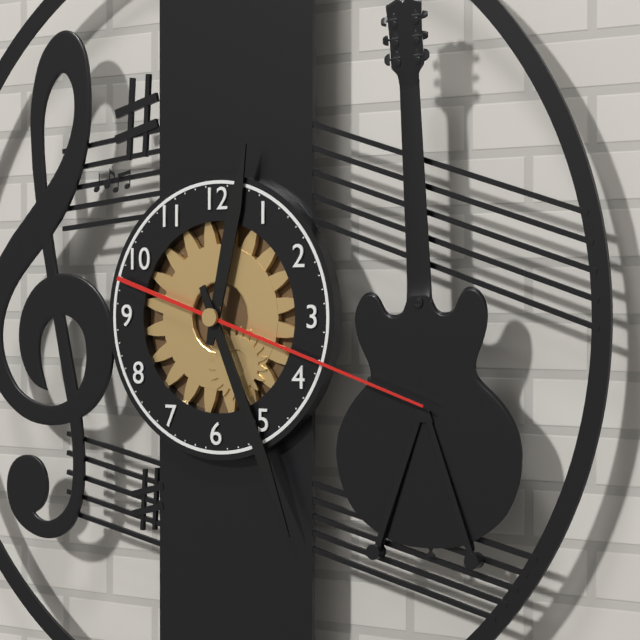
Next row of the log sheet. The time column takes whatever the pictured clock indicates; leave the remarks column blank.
12:26:18
